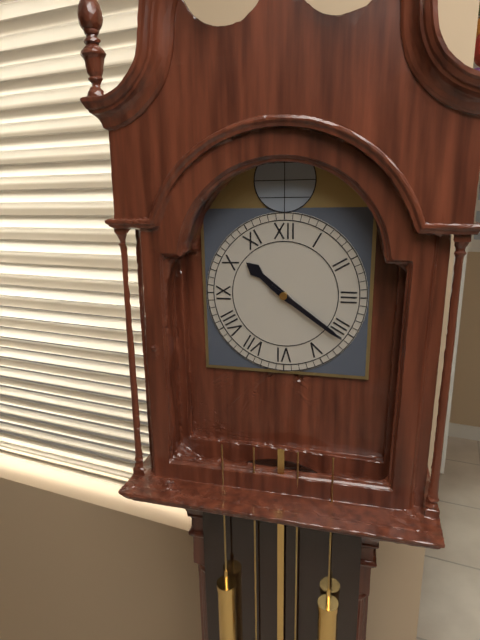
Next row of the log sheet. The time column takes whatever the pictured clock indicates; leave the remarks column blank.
10:21
